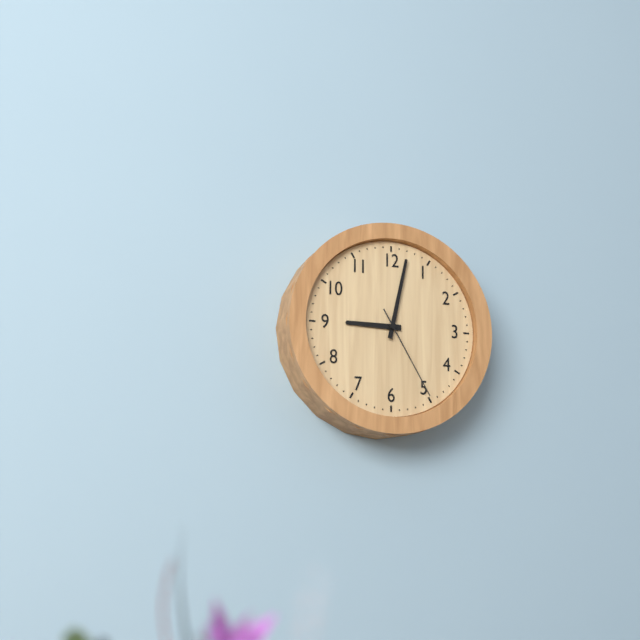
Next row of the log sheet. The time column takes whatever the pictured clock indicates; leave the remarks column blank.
9:02:25
